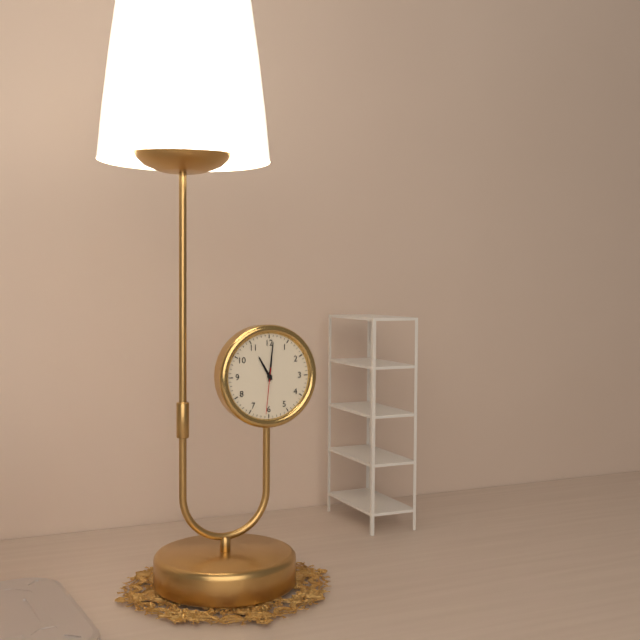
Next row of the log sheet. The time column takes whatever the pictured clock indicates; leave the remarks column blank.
11:01
